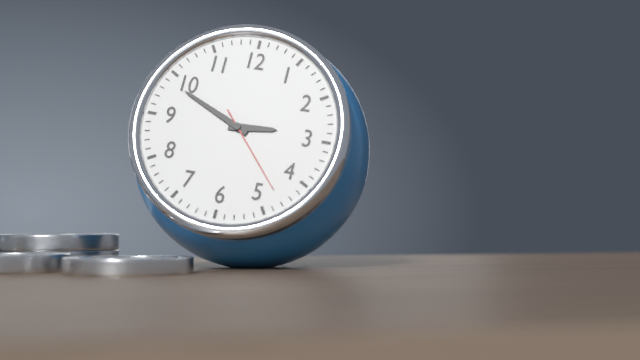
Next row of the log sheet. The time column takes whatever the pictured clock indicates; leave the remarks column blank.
2:49:23
